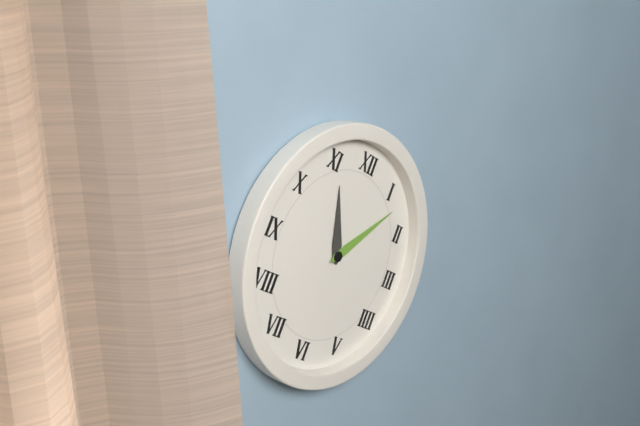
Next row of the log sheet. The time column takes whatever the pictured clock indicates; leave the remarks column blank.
11:07
